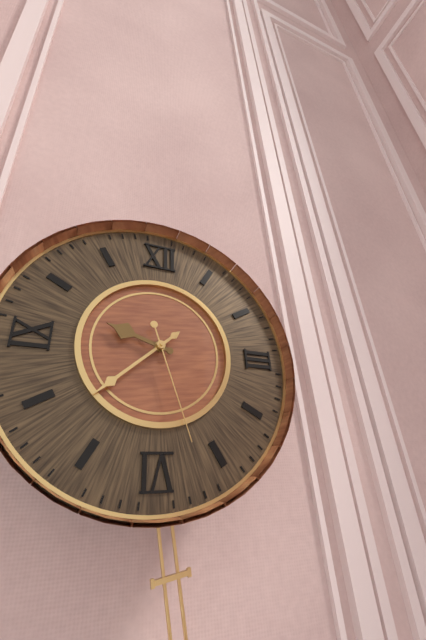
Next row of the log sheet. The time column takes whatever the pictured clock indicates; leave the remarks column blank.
9:38:27
